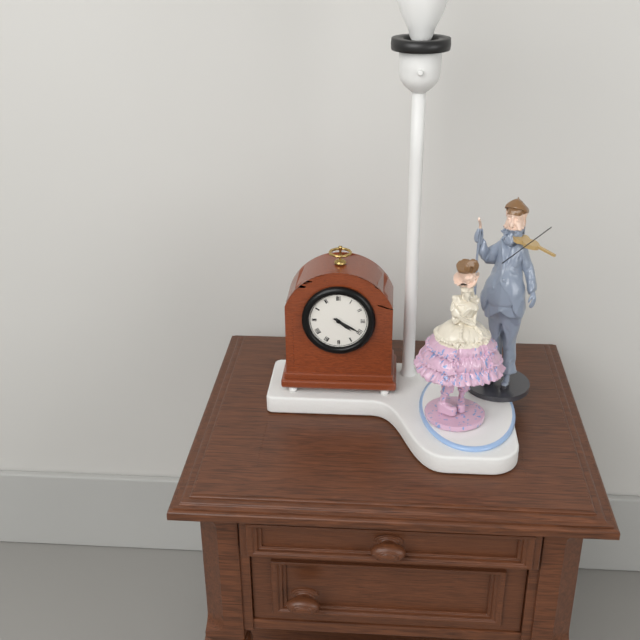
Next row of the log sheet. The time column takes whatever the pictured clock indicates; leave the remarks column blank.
4:20
